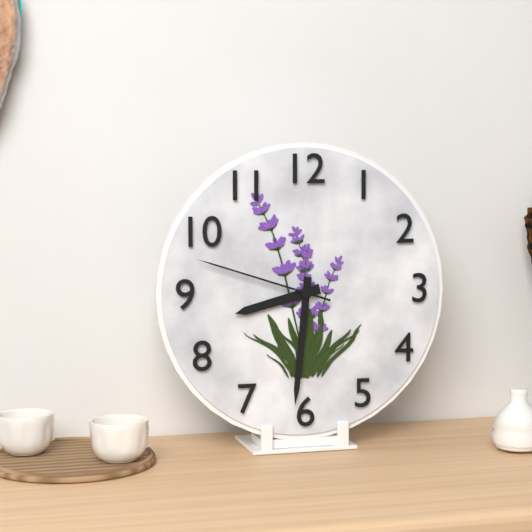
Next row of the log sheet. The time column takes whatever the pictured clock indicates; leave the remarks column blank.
8:31:48
